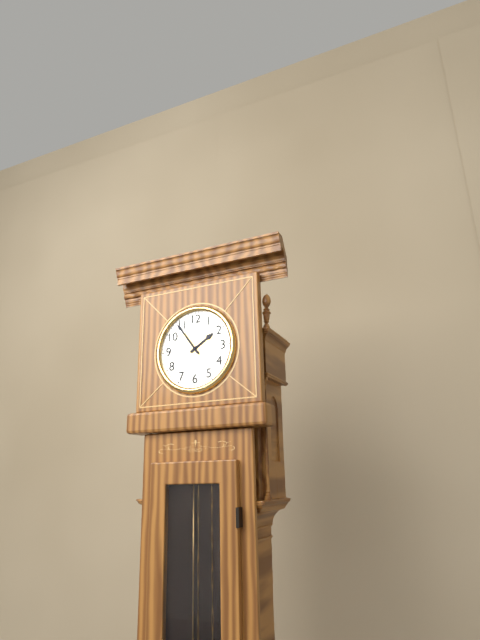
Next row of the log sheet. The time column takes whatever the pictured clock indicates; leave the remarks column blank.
1:54
